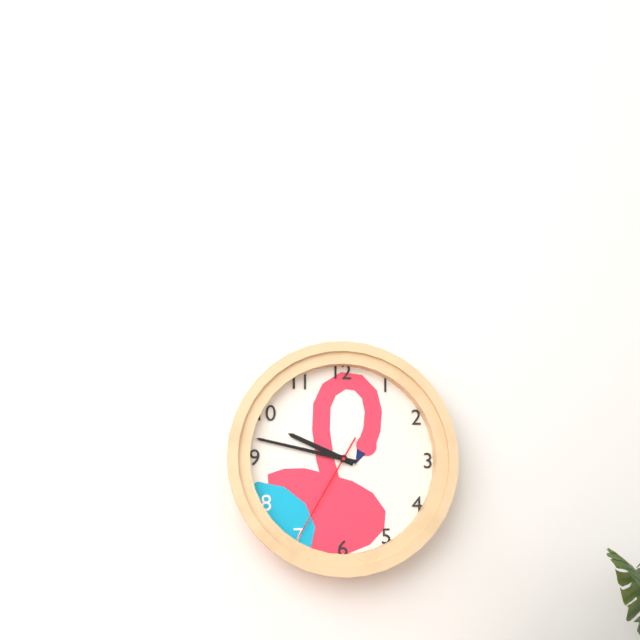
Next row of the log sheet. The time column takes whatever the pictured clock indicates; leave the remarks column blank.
9:47:35
